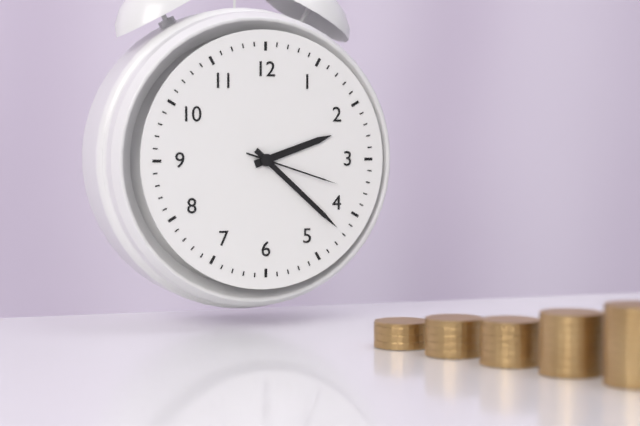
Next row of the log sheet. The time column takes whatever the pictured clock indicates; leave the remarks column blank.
2:22:18
